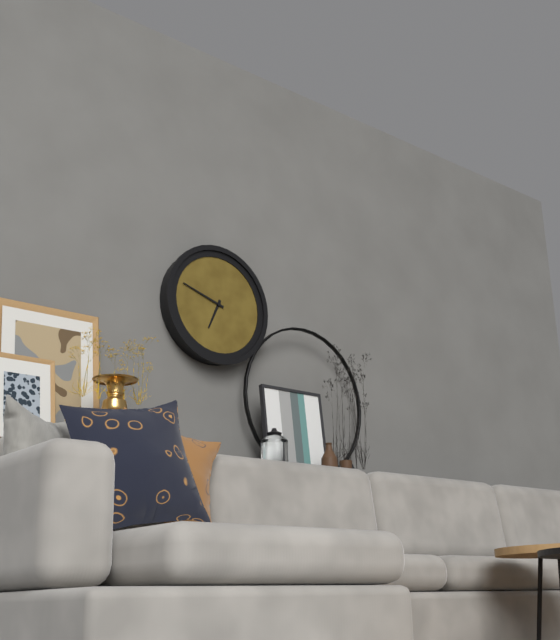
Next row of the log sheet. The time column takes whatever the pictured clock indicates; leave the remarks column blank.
6:48
